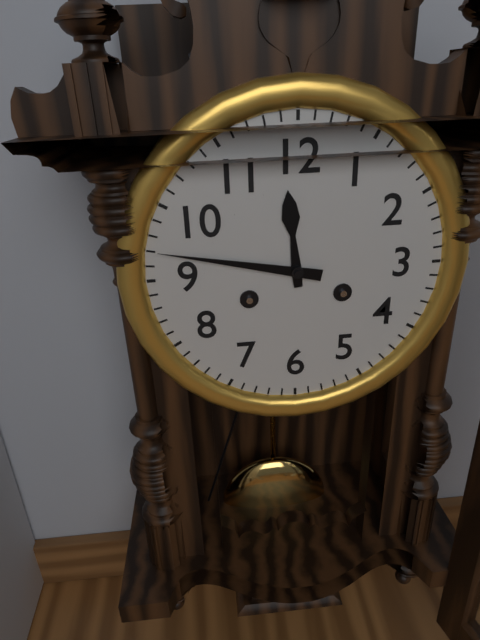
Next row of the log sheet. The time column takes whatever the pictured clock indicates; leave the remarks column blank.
11:47
